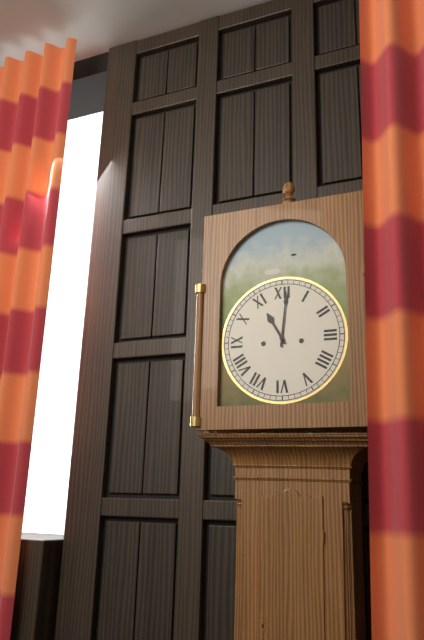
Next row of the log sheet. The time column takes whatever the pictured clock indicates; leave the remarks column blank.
11:01
